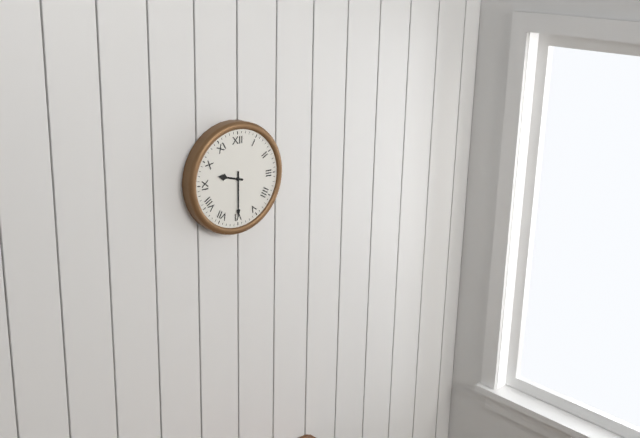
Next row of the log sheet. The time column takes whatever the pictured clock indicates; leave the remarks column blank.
9:30
